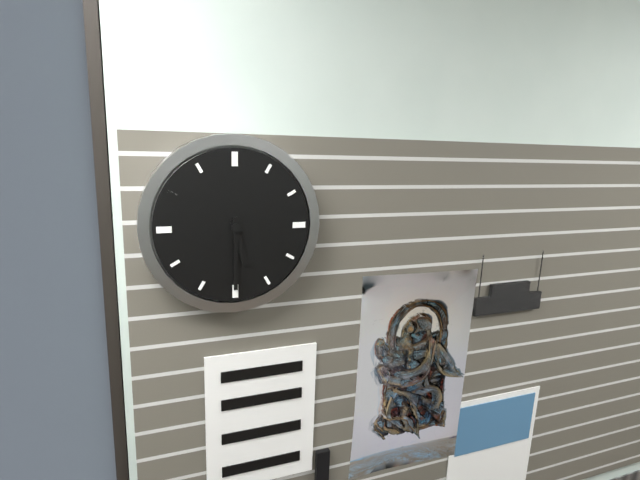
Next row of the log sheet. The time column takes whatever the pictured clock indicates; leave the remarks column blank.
5:30
